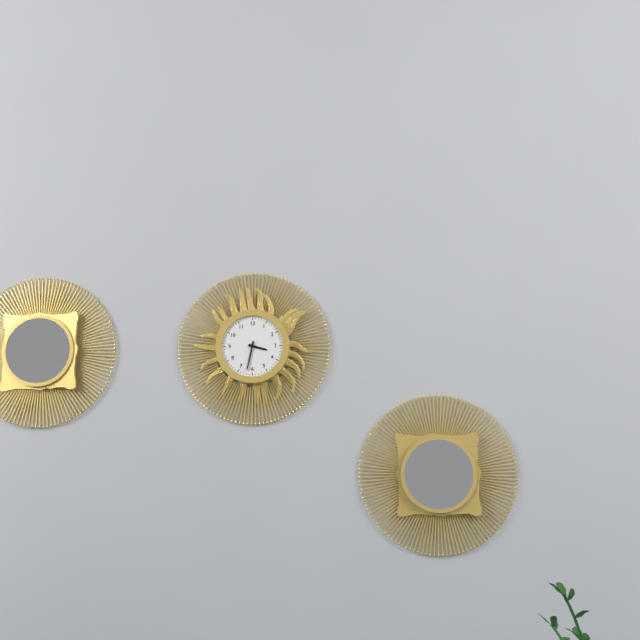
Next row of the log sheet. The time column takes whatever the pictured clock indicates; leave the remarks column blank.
3:32
